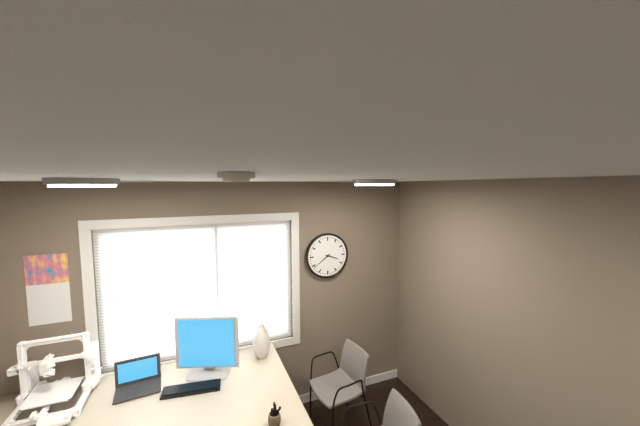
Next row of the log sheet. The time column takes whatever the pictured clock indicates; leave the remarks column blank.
3:39
